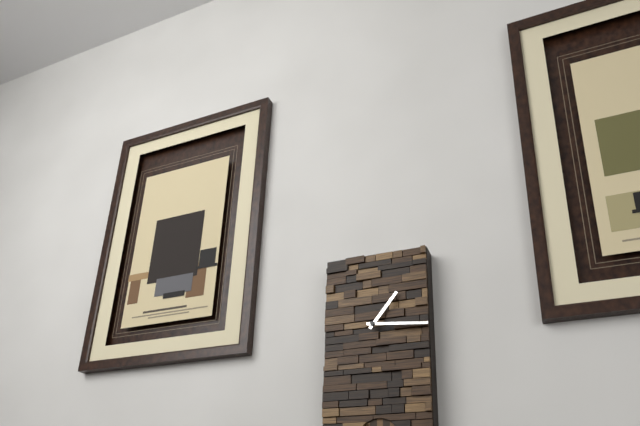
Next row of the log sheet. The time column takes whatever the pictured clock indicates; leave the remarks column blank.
1:16
